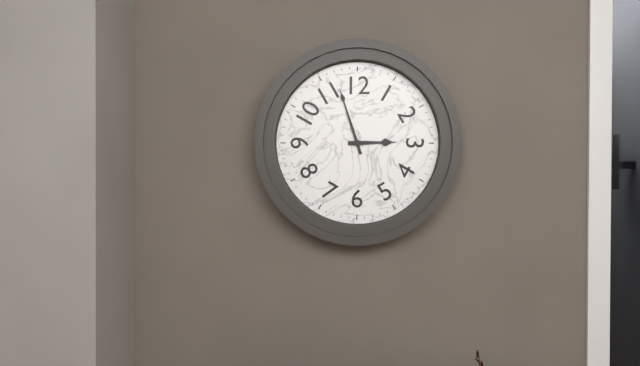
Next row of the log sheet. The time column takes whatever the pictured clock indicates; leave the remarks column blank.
2:57
